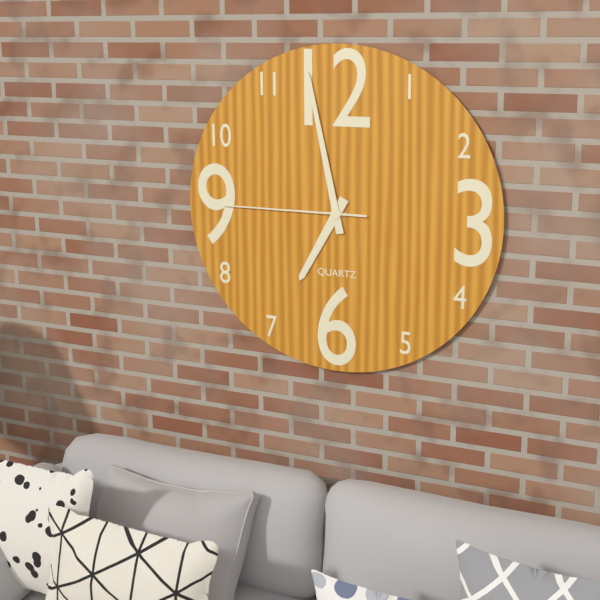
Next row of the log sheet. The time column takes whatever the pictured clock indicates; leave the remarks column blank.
6:58:45
